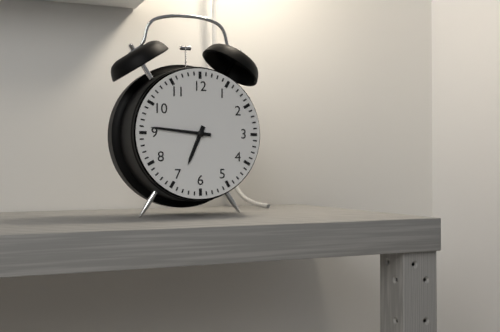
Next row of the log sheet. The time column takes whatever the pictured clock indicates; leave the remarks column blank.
6:46
